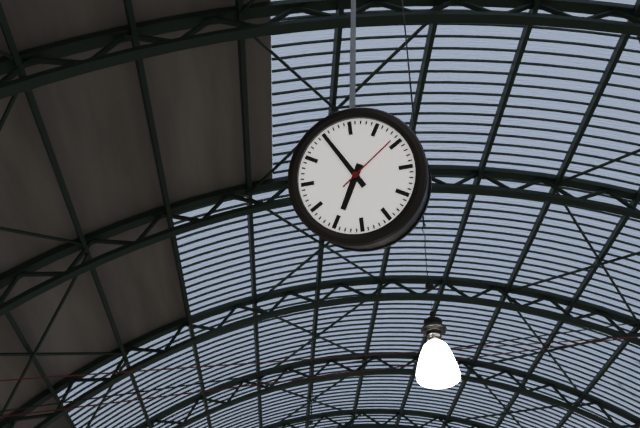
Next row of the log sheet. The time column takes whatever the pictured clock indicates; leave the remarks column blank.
6:55:09
